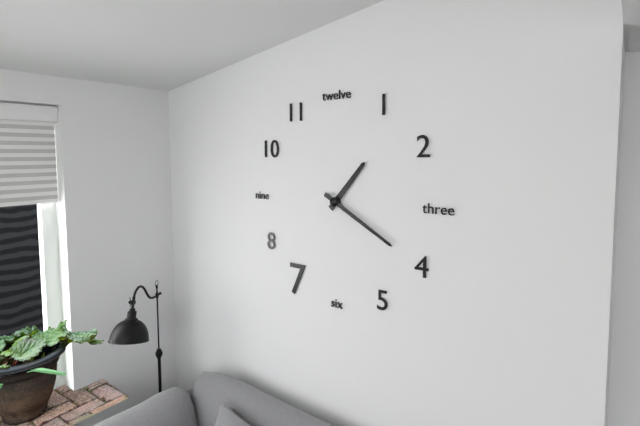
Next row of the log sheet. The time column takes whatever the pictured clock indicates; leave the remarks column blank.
1:20
